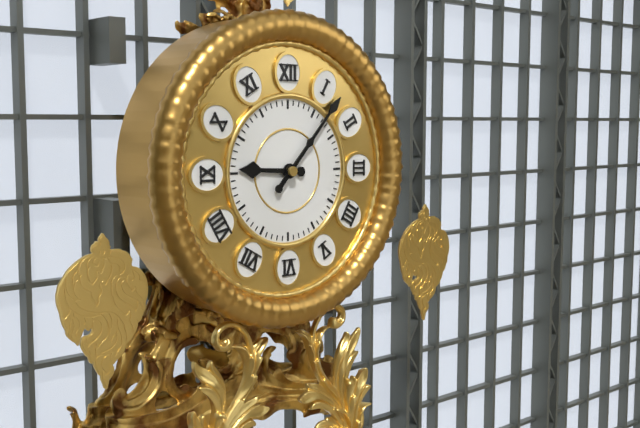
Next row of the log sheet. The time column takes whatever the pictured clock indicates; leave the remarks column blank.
9:07
